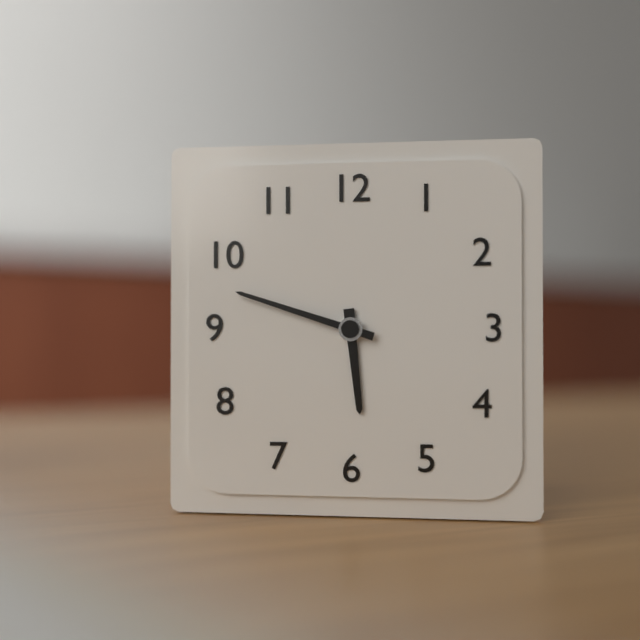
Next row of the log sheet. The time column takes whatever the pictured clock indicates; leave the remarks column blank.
5:48
